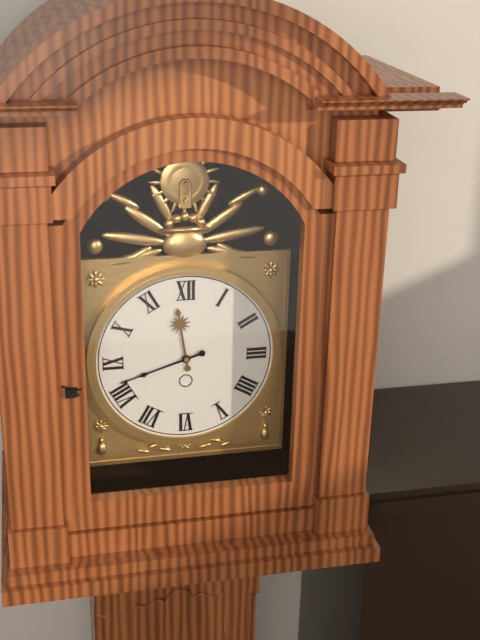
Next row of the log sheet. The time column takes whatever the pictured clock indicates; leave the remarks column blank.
11:42
